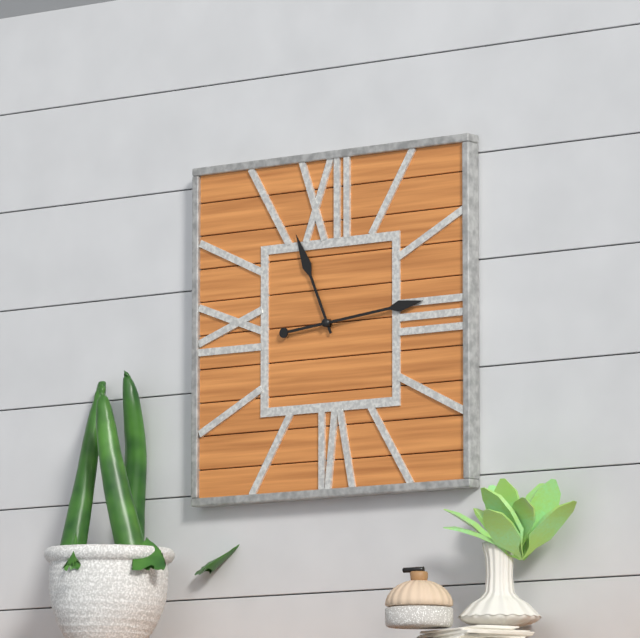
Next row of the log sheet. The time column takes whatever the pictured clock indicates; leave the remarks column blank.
11:14
